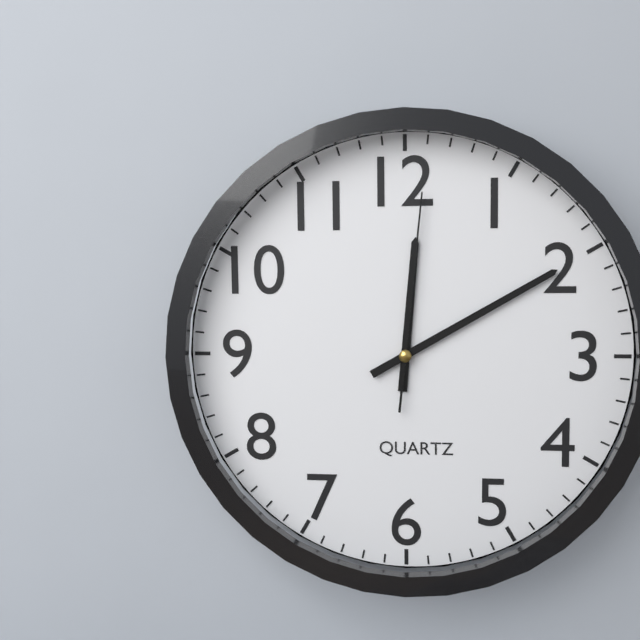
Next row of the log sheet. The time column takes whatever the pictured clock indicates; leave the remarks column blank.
12:10:01
